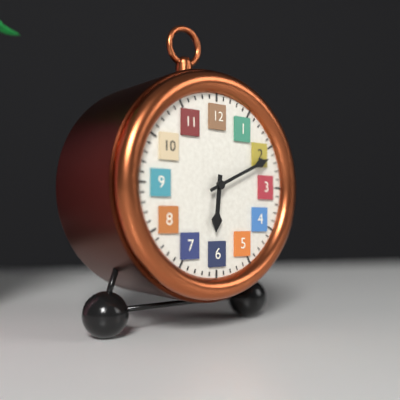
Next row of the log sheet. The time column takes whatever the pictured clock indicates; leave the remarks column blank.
6:11
